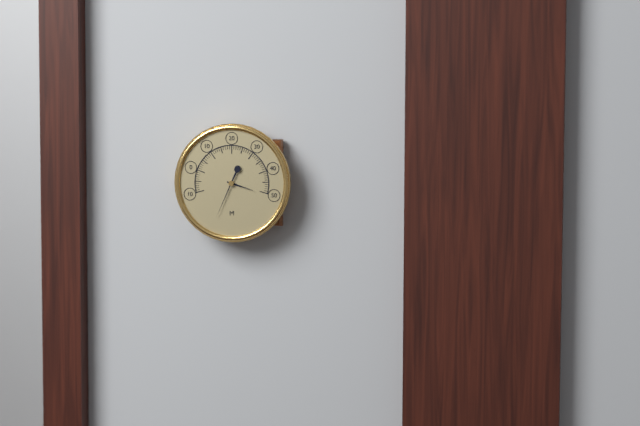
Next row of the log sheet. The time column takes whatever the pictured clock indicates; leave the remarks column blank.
3:34
